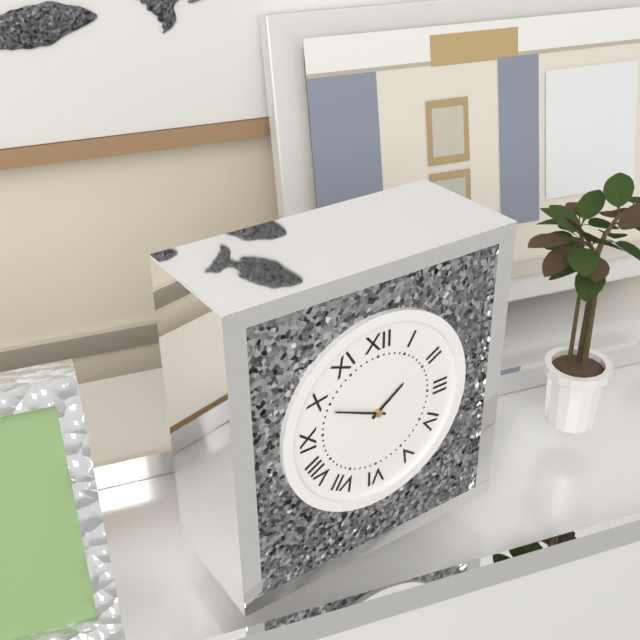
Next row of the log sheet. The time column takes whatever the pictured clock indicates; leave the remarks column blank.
1:49
